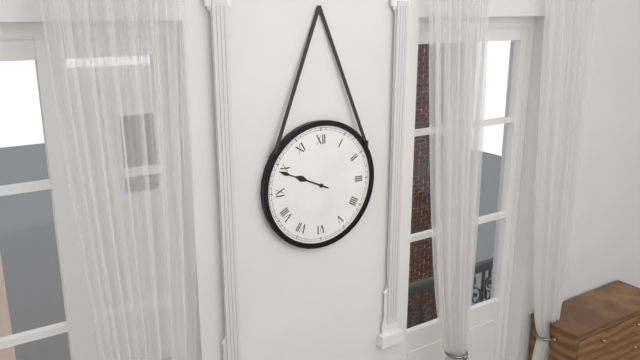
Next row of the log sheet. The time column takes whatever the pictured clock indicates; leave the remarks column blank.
9:49
